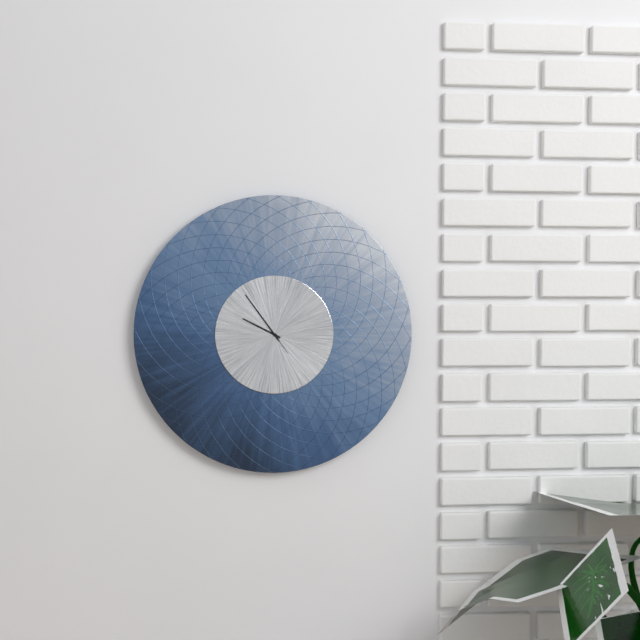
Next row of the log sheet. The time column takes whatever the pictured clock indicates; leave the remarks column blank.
9:54
